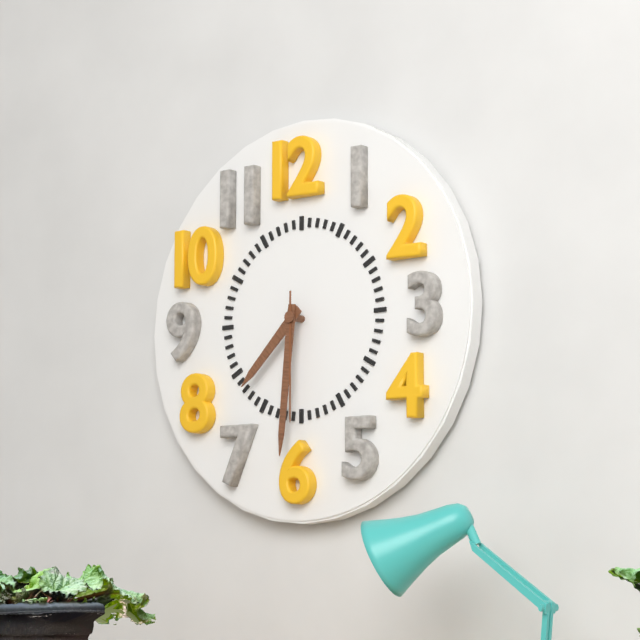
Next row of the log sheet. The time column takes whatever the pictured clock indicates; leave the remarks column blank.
7:31:30
